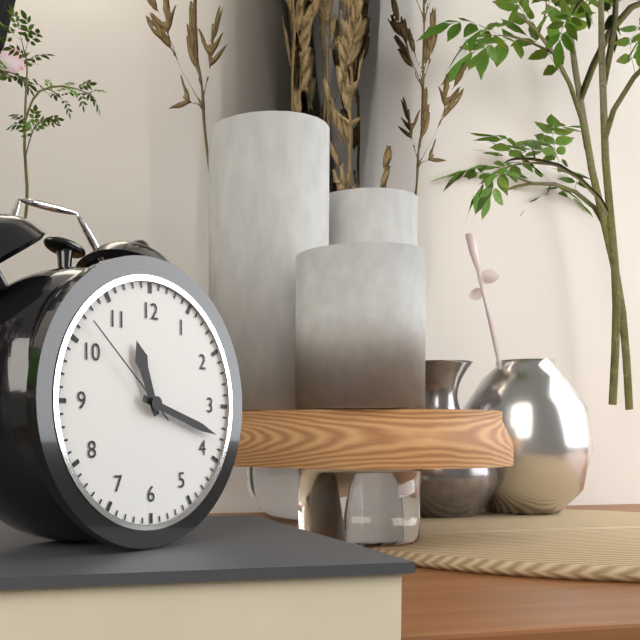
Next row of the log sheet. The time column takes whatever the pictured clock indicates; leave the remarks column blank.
11:18:52
